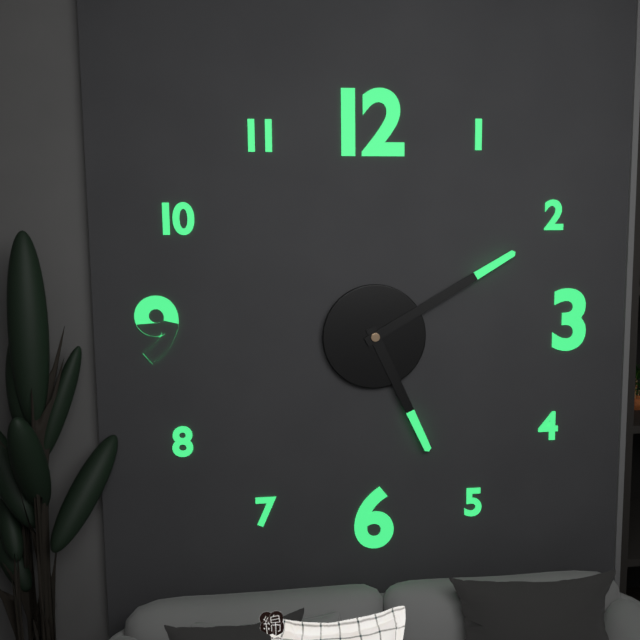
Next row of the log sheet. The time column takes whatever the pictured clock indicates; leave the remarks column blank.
5:10
